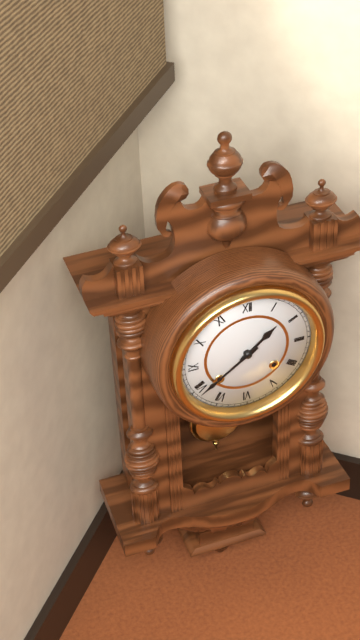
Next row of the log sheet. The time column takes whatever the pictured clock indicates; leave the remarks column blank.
1:39
